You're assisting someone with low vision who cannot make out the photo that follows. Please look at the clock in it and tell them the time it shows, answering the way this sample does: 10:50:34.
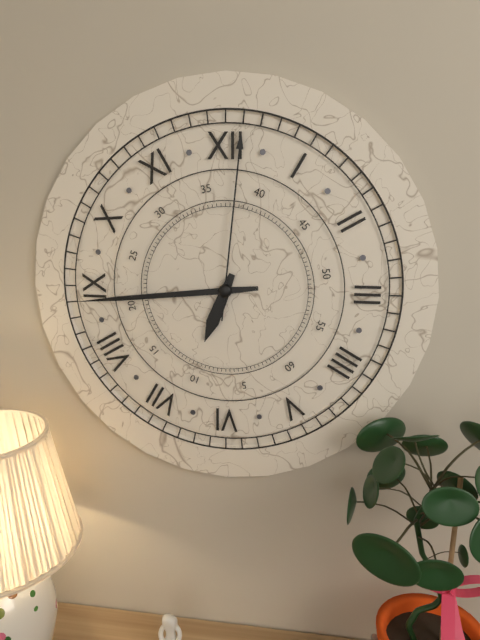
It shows 6:44:01
